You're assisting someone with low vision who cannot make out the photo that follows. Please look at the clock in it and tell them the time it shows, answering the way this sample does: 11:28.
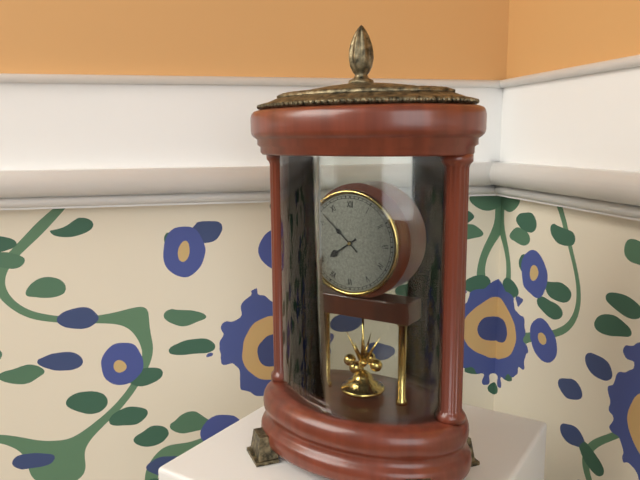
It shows 7:52
